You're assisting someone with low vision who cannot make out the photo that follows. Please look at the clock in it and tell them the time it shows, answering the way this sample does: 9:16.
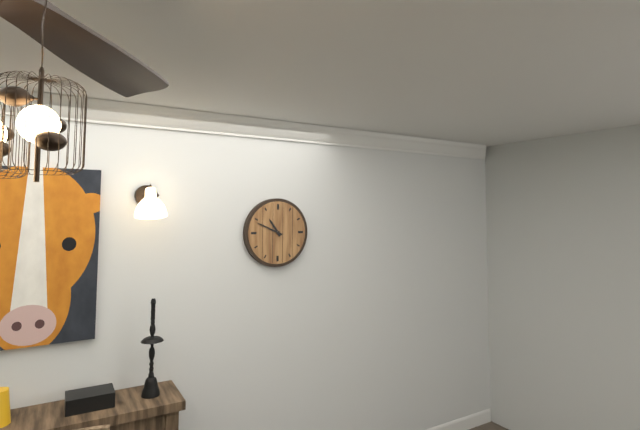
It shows 10:49
